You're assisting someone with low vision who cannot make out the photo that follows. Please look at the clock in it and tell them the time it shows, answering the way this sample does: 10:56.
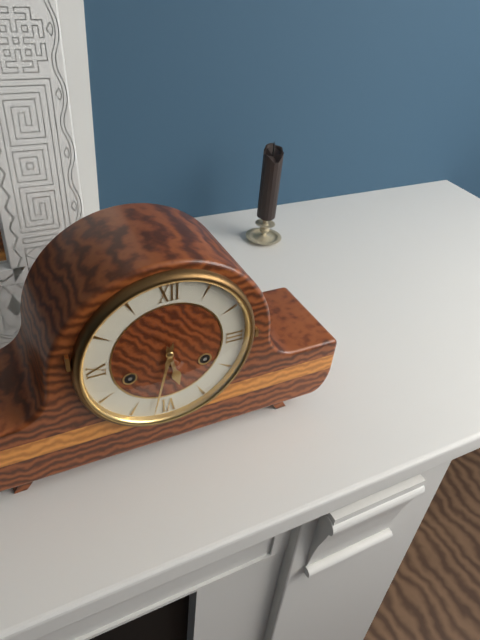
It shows 5:32
